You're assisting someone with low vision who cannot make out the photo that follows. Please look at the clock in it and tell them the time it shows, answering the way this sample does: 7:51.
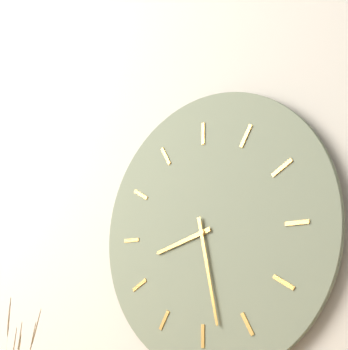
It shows 8:28
